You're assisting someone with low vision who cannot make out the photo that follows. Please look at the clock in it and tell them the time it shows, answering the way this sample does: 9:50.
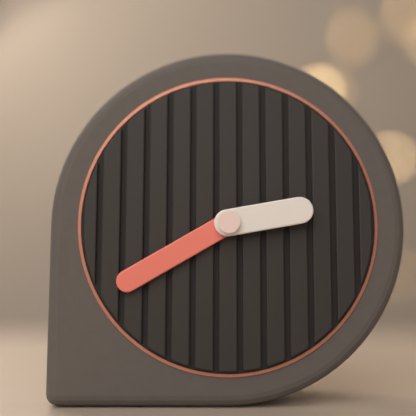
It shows 2:40
